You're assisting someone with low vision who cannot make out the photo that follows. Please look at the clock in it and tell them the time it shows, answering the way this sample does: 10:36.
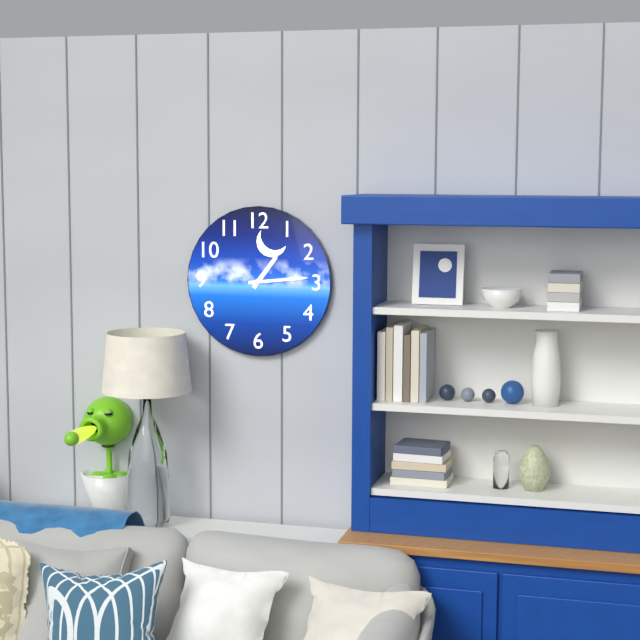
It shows 1:14
